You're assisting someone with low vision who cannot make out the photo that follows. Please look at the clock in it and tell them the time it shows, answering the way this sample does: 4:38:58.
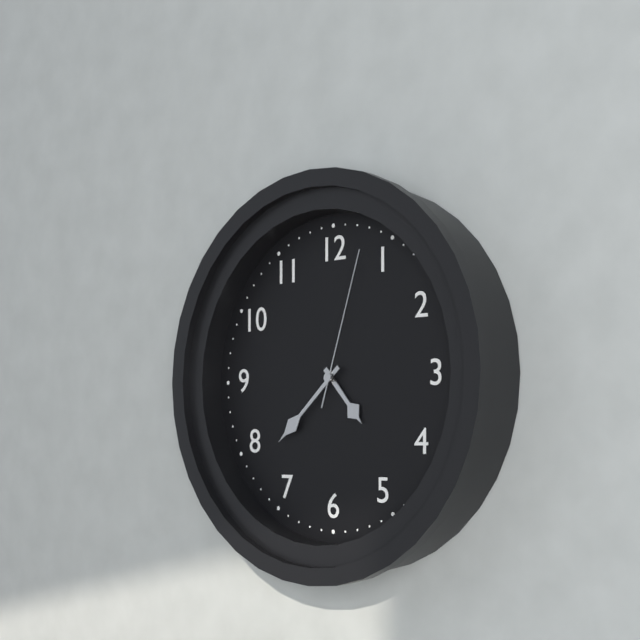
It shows 4:38:03
